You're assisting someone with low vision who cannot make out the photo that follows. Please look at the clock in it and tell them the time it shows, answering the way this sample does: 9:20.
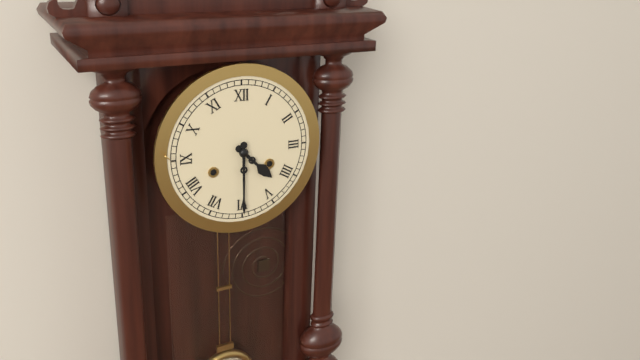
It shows 4:30
